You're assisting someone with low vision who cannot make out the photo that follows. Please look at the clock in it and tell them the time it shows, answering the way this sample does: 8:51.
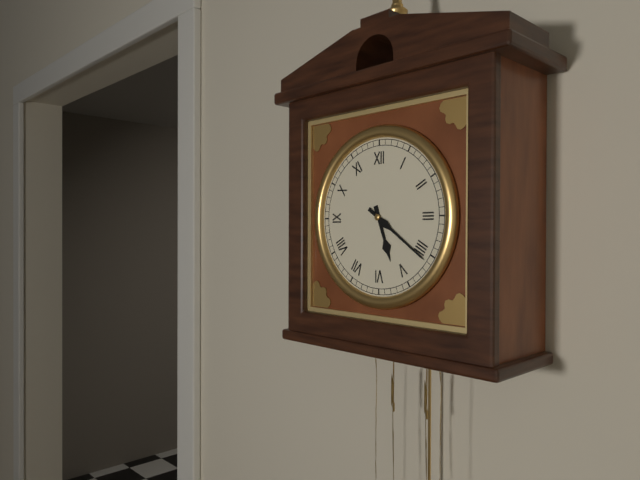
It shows 5:21
